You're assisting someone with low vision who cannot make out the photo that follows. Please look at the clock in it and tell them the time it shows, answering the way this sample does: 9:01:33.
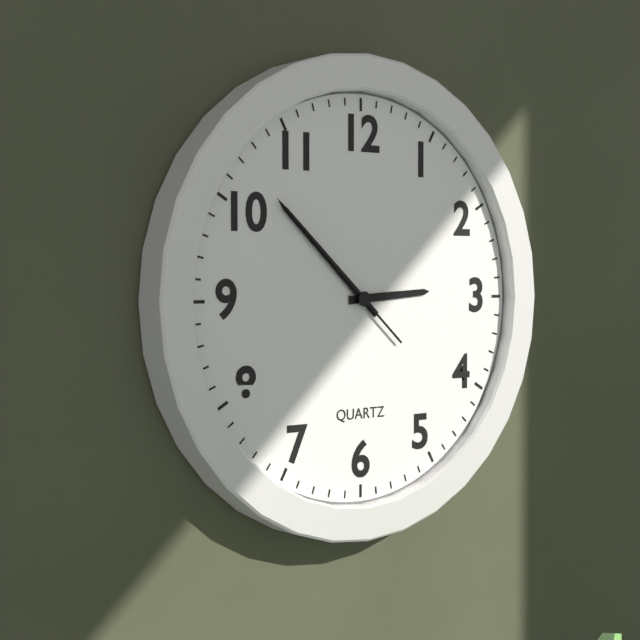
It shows 2:52:52
